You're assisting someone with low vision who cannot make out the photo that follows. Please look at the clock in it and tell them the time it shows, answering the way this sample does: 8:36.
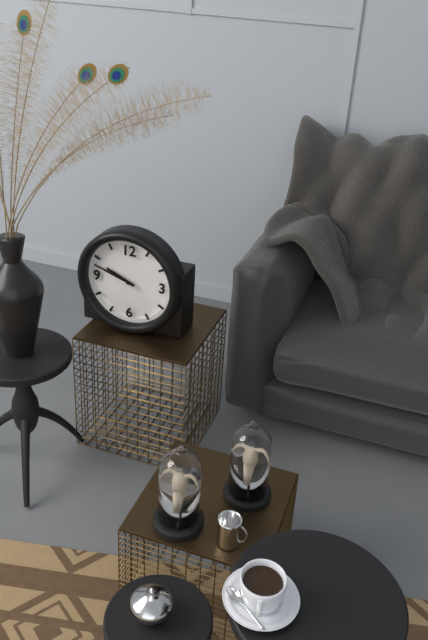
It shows 9:48
